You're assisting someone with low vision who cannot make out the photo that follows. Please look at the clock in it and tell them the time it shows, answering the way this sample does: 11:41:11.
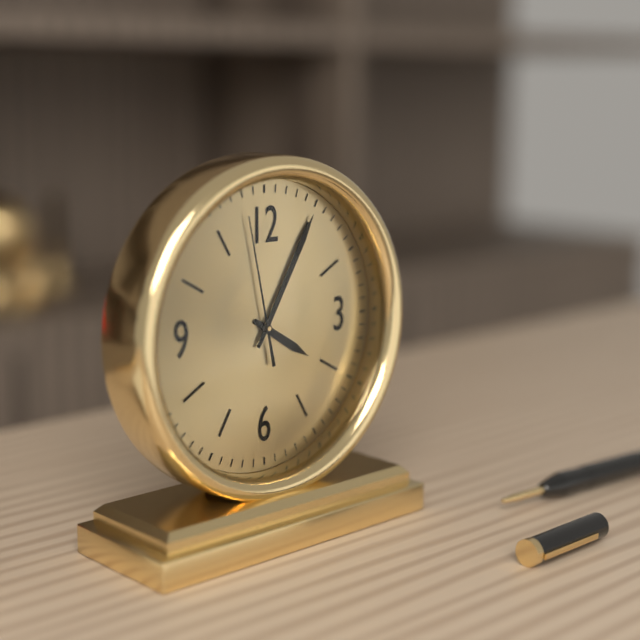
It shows 4:05:58
